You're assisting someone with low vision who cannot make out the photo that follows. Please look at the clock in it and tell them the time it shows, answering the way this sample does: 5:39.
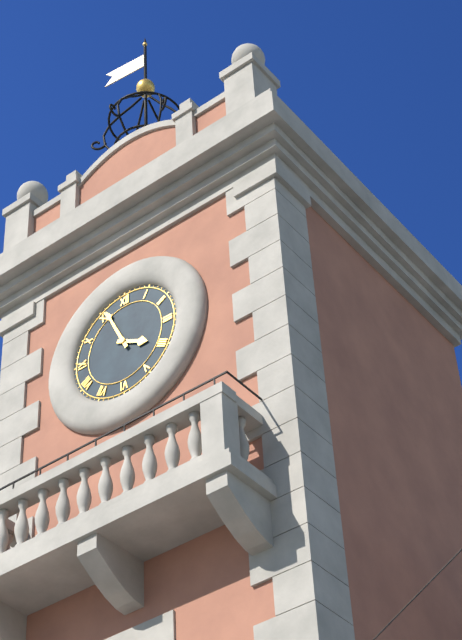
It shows 3:56
